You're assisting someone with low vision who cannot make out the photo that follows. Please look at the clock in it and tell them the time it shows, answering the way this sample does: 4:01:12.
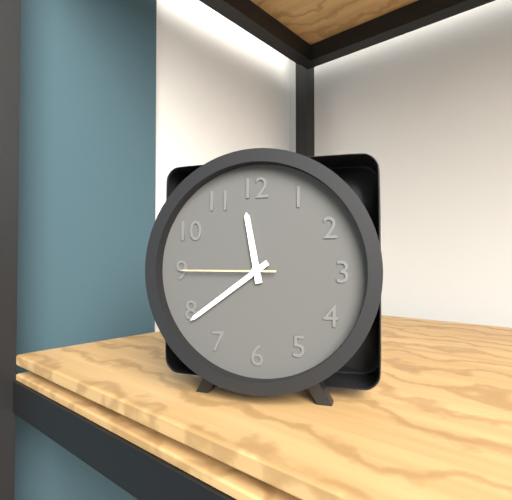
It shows 11:39:45
